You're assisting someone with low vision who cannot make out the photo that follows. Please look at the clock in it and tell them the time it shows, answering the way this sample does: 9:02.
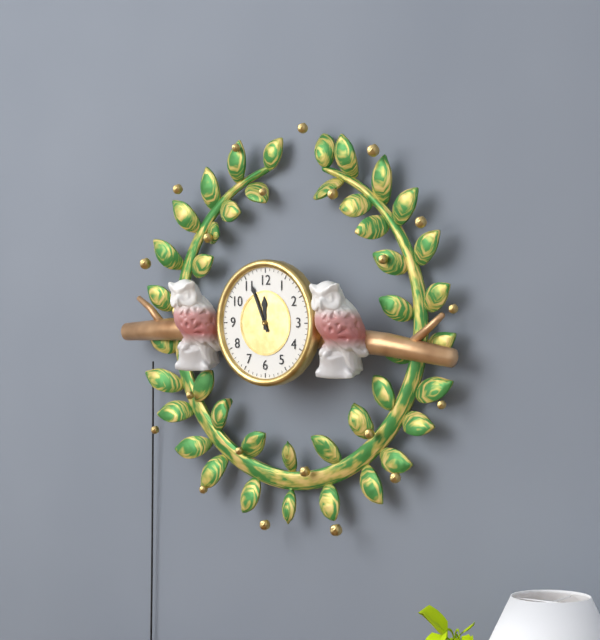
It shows 11:56
